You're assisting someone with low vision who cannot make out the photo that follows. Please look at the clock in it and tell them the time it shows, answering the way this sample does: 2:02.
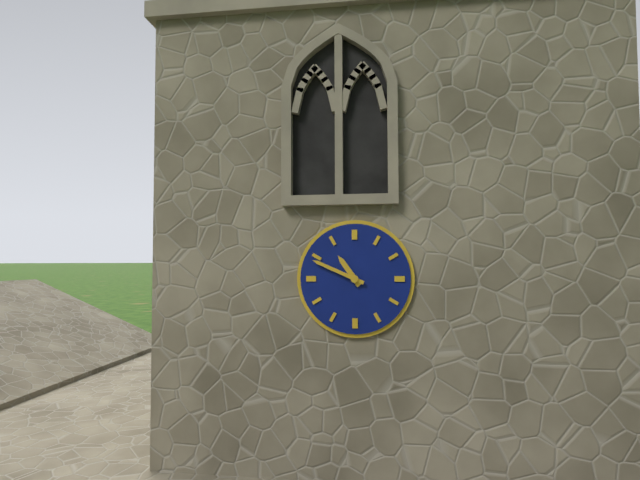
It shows 10:49
